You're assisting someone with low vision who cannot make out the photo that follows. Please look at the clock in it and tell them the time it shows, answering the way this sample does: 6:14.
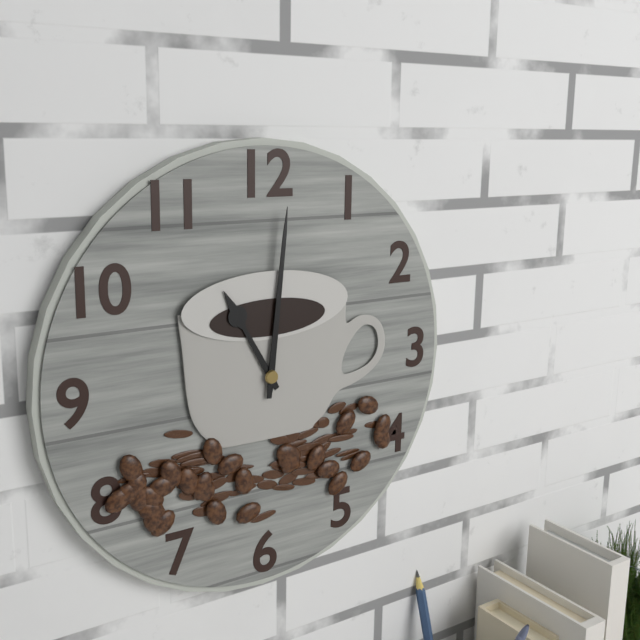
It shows 11:01
